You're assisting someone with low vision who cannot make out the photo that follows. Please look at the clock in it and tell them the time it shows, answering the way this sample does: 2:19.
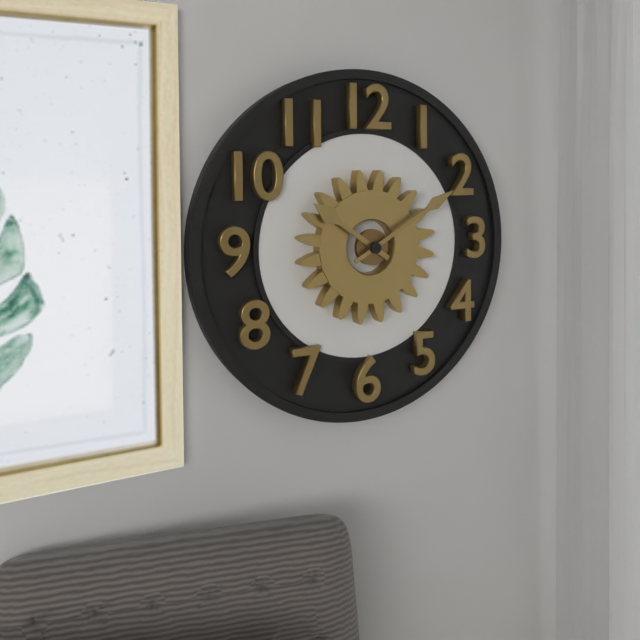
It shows 10:10
